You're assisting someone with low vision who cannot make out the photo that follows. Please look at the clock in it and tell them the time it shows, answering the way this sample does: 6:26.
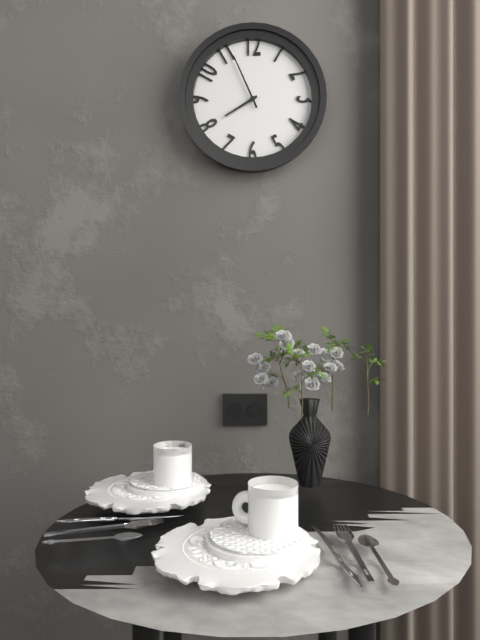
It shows 7:56
